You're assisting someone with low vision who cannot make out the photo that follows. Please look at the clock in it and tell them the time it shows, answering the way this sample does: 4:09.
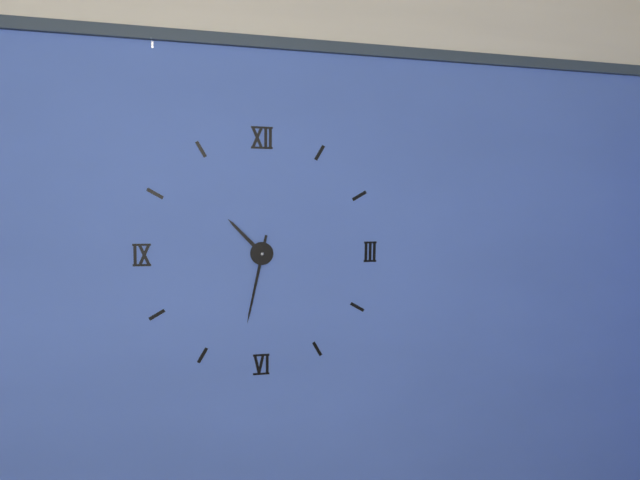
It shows 10:32
